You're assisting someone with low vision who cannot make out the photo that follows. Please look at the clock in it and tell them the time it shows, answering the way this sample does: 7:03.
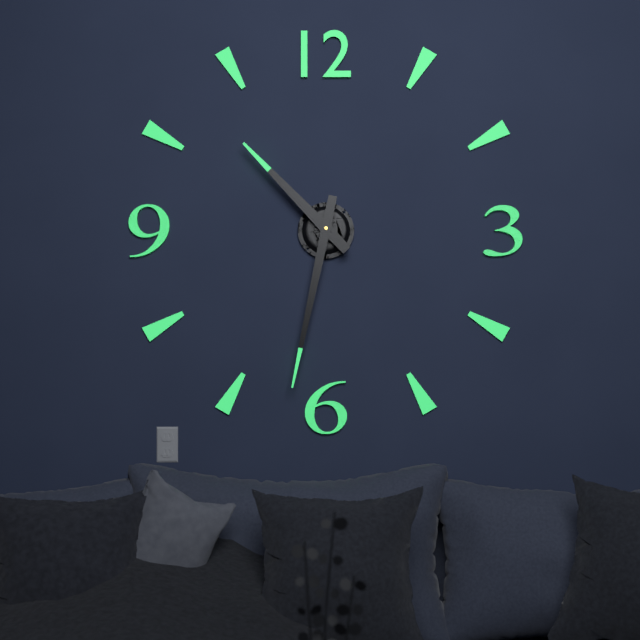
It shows 10:32
